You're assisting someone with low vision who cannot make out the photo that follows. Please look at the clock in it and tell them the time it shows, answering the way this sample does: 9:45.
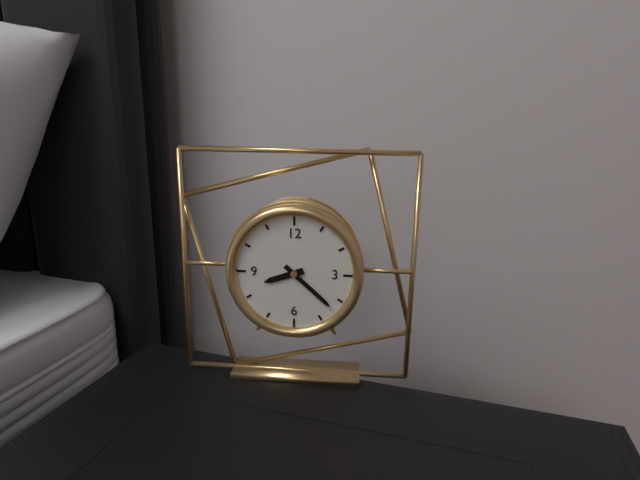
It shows 8:22
